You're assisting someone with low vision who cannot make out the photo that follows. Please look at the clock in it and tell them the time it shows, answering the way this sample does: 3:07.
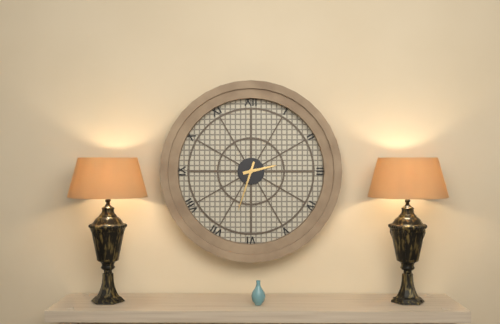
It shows 2:33
